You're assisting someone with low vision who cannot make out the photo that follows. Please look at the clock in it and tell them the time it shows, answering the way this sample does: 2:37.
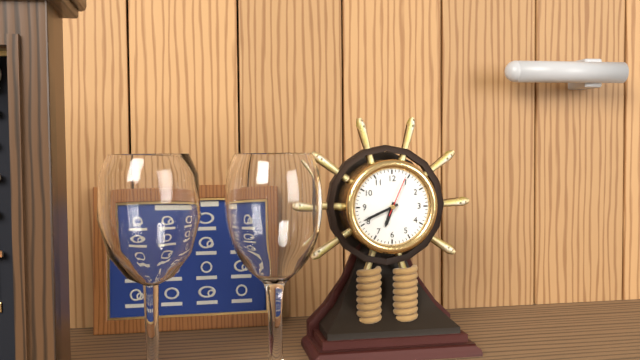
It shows 6:41
